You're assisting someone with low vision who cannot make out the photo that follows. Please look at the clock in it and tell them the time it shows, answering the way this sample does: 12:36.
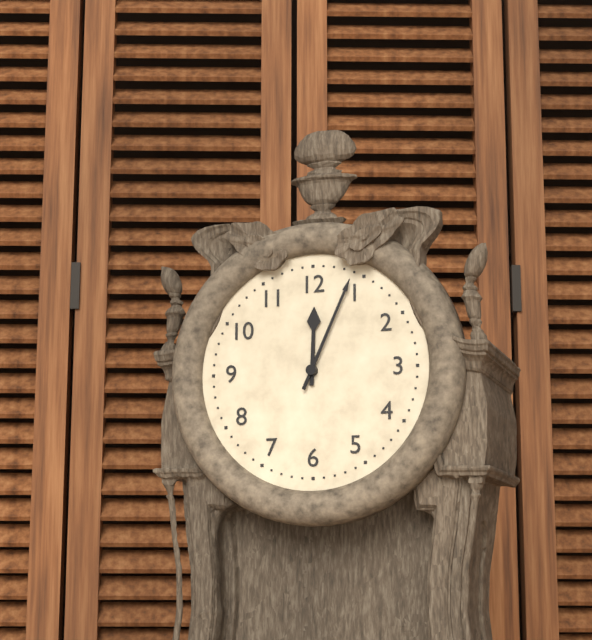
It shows 12:04
